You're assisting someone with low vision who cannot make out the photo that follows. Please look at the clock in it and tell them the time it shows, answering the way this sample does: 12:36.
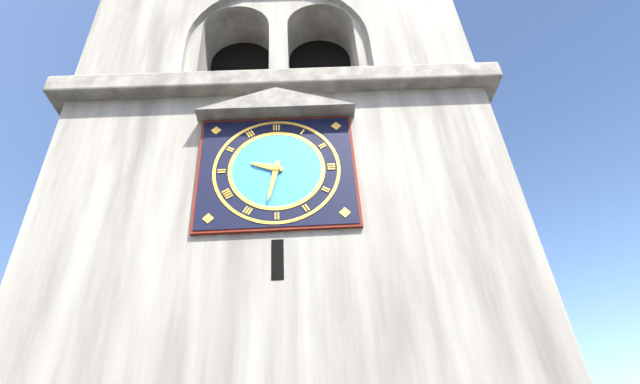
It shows 9:32
